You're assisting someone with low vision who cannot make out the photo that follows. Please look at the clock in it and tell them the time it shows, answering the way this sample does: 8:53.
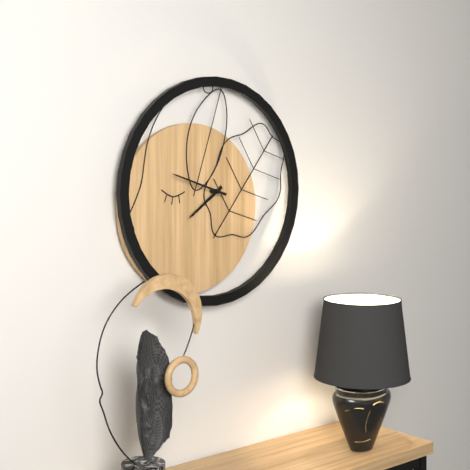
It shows 7:48
